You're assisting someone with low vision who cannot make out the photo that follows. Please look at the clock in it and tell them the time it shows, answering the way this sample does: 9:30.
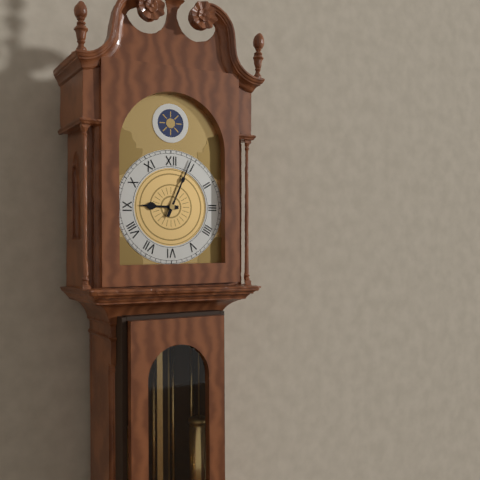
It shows 9:04
